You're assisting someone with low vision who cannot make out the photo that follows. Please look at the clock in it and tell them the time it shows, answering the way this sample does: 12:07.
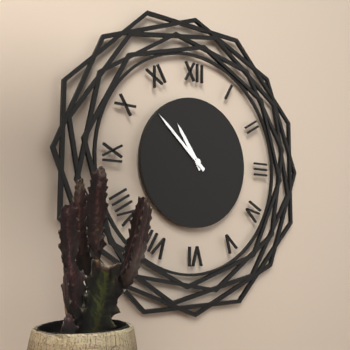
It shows 10:52
